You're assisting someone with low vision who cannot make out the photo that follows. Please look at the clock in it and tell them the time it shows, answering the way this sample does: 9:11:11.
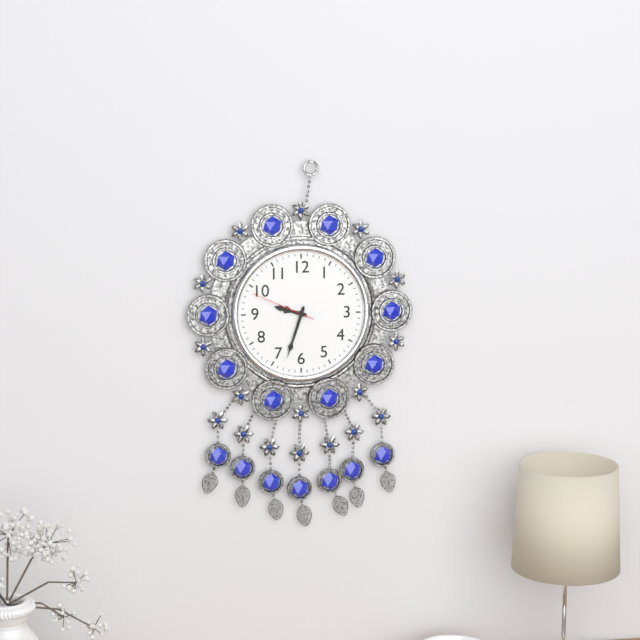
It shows 9:33:49
